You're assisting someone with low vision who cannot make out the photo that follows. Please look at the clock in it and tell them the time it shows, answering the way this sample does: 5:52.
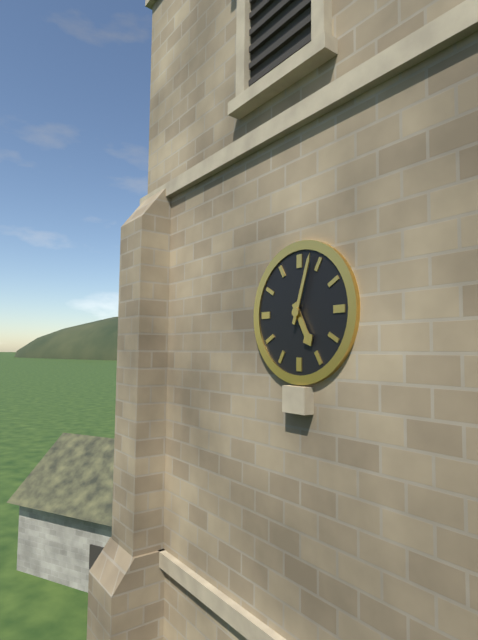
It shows 5:03
